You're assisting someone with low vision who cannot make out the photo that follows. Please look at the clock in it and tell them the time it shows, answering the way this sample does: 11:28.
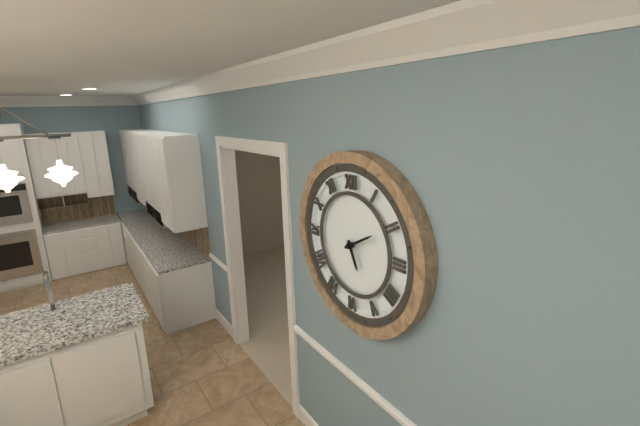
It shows 5:10
